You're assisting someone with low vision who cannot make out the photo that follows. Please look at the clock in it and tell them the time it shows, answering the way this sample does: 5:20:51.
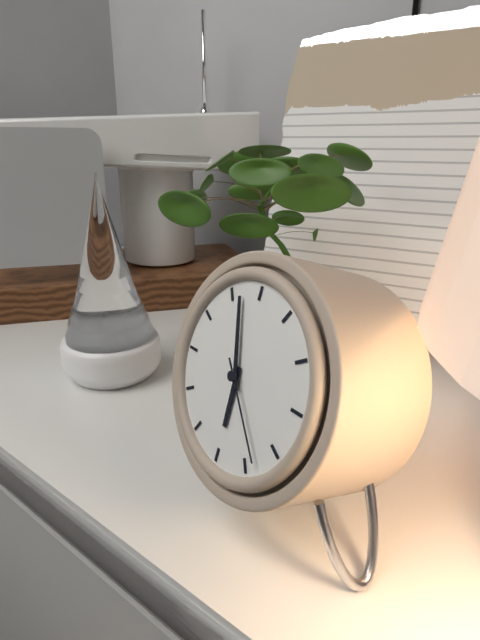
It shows 5:57:23
